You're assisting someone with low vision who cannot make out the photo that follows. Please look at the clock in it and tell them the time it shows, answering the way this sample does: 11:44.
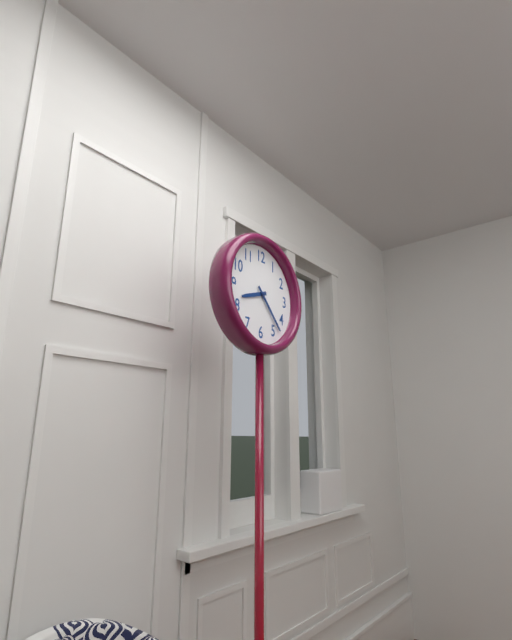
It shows 8:23
